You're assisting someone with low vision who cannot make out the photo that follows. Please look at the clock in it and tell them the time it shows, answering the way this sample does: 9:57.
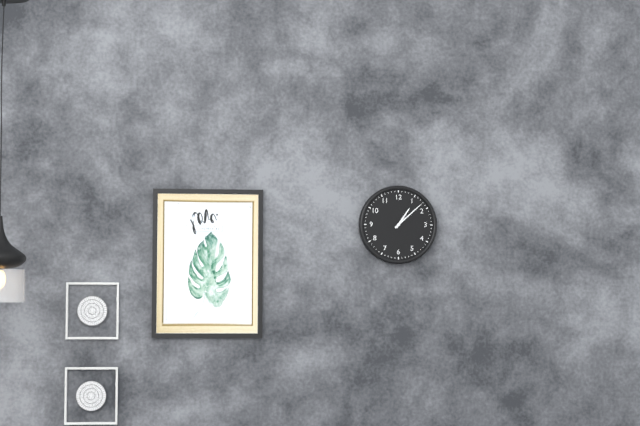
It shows 1:08
